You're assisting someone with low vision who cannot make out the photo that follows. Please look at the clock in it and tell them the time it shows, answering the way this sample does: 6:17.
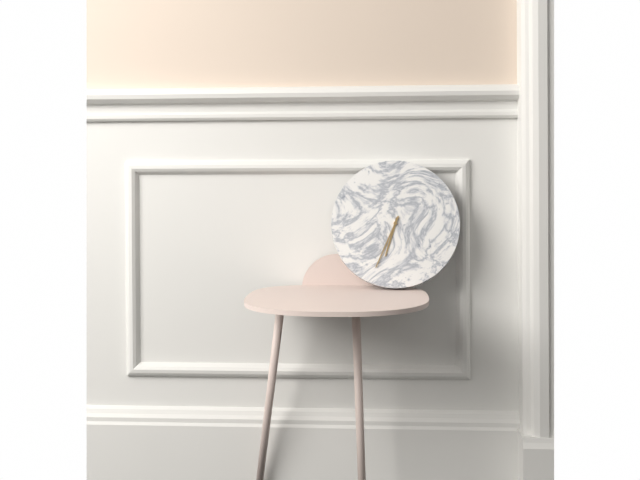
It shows 6:34
